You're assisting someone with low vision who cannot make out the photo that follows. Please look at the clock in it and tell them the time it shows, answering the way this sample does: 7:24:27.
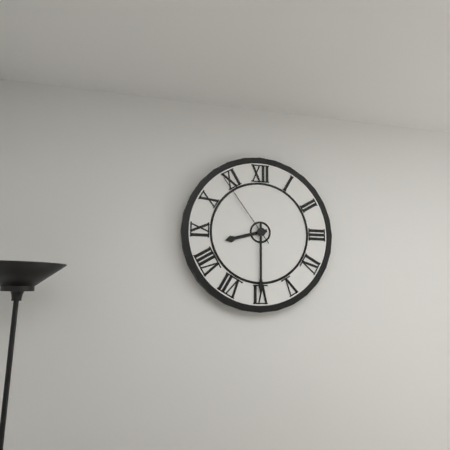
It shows 8:30:54
